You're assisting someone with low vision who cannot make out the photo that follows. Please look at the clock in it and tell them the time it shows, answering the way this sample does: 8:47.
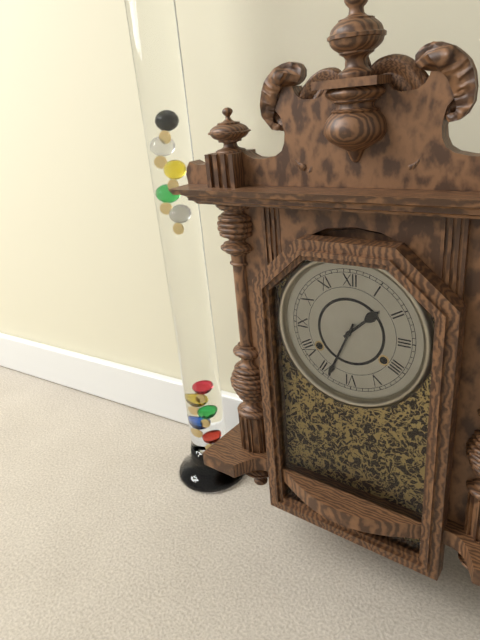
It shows 1:34
